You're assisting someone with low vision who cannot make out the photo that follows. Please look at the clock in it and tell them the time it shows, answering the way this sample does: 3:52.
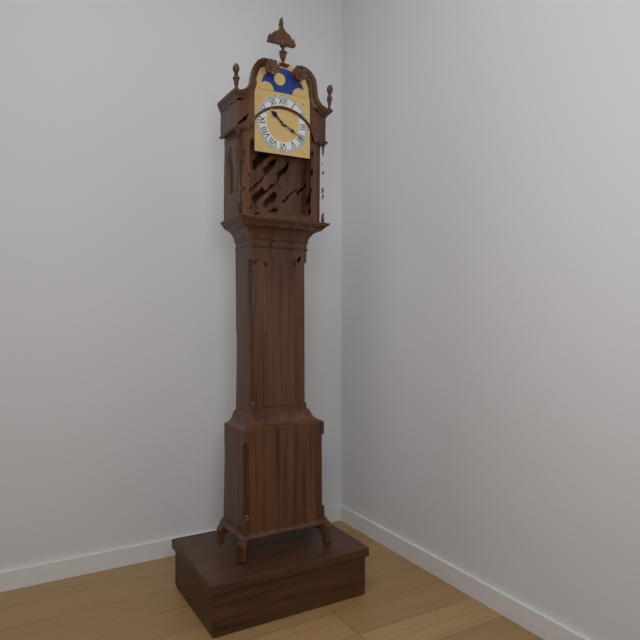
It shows 10:20
